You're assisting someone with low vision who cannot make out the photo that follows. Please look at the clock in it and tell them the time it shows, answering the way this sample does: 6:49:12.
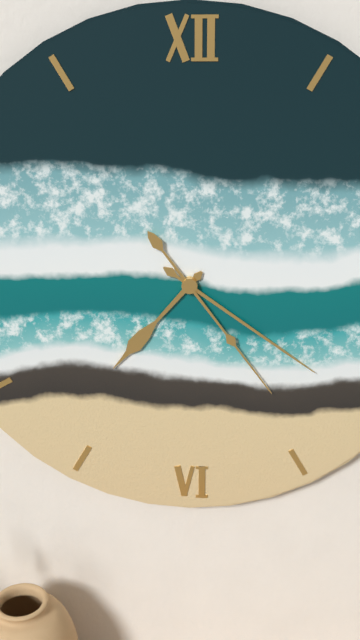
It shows 7:21:24
